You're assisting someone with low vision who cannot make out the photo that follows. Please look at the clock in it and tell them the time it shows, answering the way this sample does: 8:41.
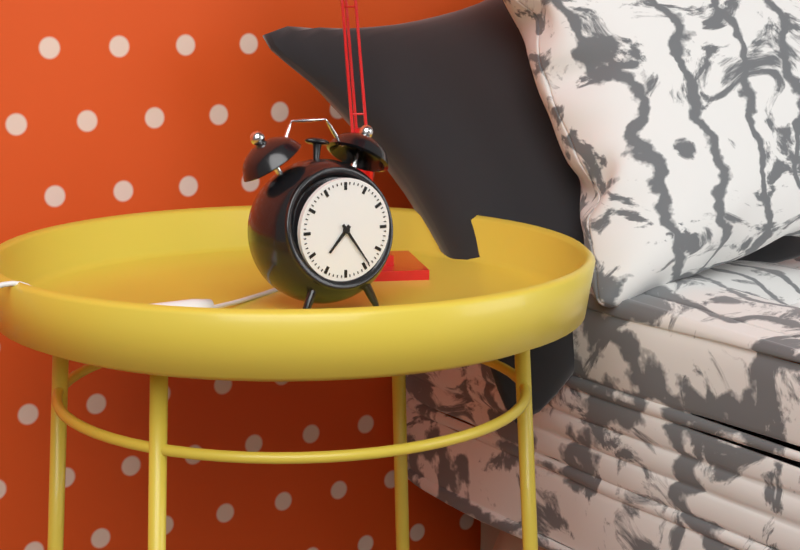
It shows 7:24
